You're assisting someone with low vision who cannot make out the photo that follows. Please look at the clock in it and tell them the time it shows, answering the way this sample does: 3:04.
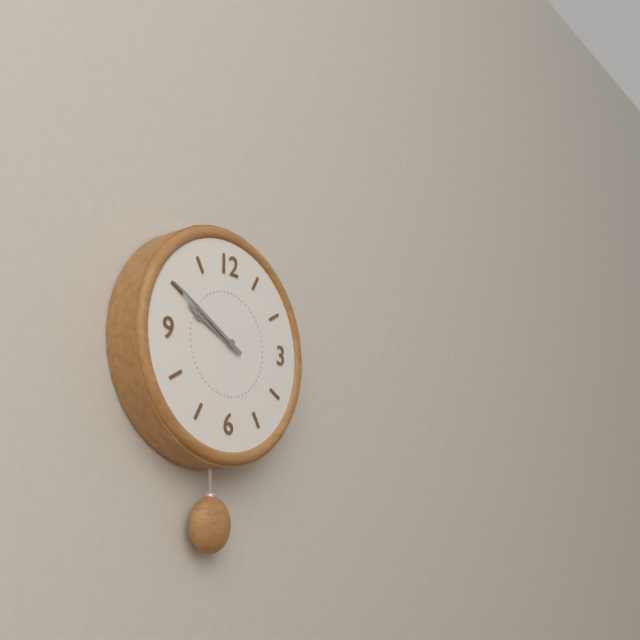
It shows 9:50
